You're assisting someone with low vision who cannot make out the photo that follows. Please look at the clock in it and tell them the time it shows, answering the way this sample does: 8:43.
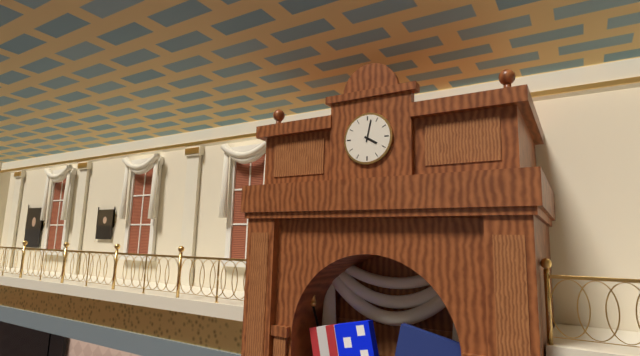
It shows 4:02
